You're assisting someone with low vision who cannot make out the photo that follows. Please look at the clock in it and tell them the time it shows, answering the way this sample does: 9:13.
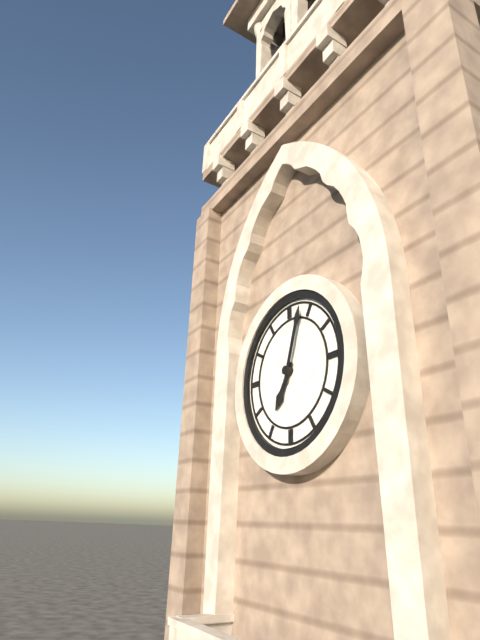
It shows 7:03
